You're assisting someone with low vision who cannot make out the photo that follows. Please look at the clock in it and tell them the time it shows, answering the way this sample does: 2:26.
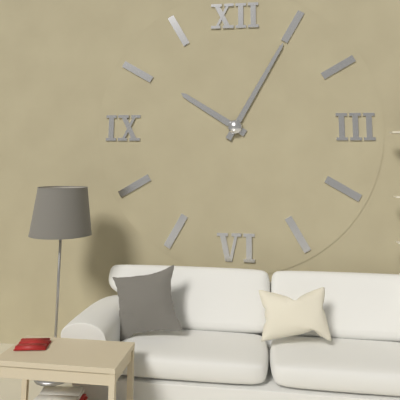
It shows 10:05
